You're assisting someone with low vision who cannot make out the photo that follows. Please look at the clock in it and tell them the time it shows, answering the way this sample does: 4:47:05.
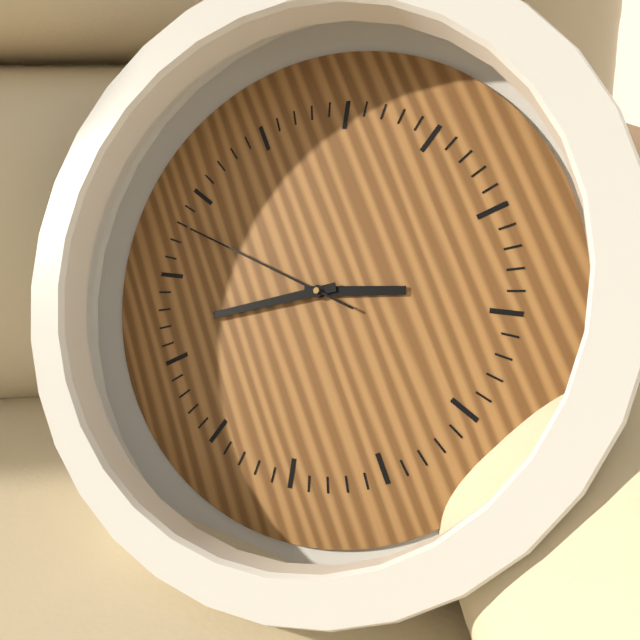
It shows 3:47:53
